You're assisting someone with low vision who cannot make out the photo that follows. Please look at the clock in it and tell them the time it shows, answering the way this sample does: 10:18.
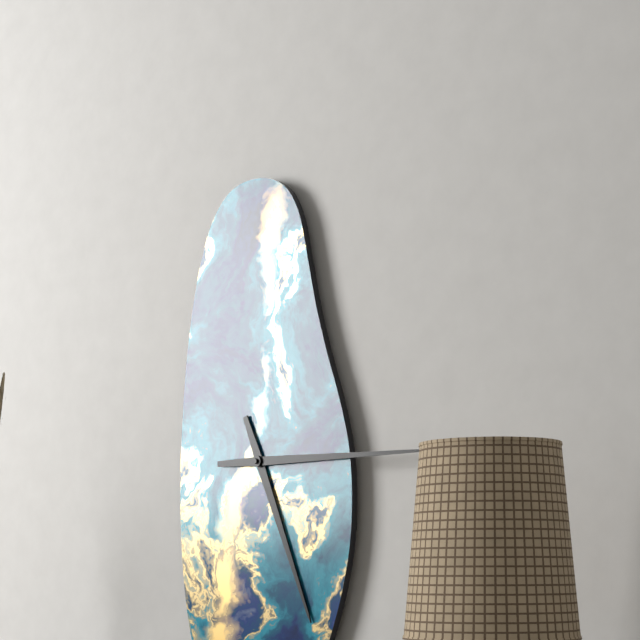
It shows 5:15
